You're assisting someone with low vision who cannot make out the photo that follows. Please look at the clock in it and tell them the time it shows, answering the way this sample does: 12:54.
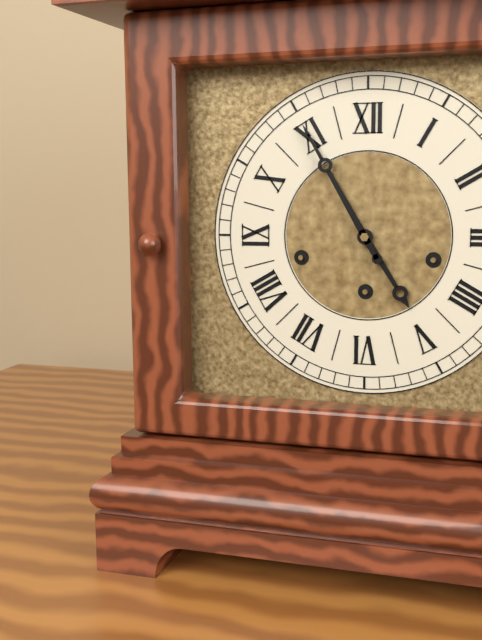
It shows 4:55
